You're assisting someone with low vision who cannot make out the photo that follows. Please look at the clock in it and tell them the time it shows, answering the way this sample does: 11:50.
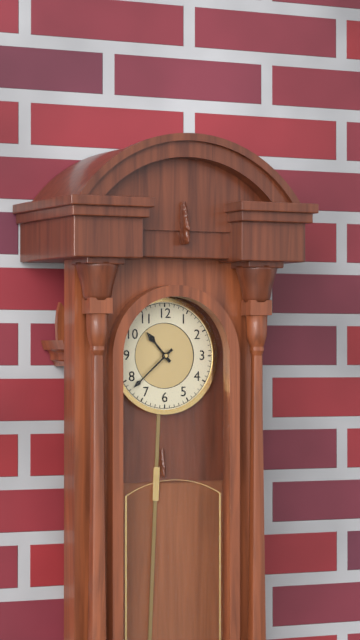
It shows 10:38
